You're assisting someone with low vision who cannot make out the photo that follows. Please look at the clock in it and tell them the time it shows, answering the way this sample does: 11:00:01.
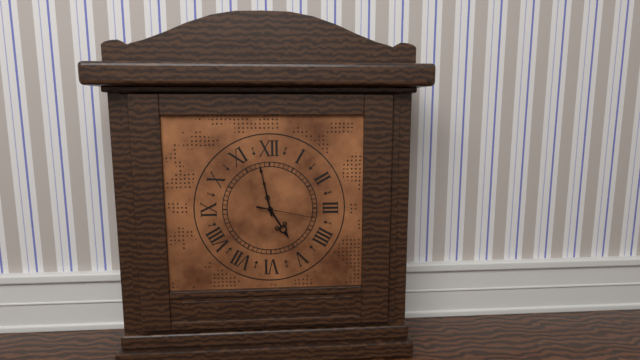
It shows 4:58:17
